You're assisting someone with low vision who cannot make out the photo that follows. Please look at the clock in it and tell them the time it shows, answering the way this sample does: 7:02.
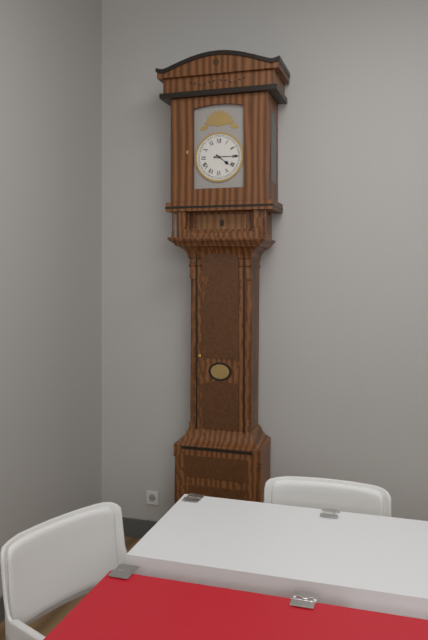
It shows 4:15
